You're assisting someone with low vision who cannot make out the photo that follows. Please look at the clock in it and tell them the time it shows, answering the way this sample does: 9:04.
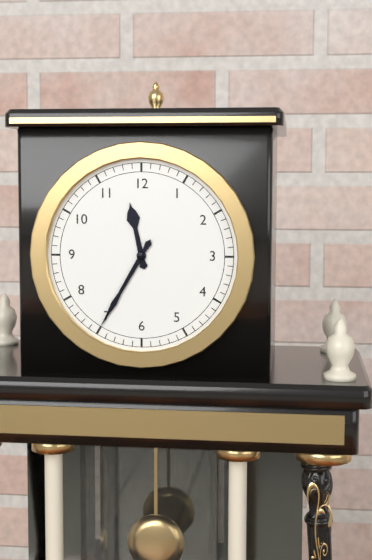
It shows 11:35
